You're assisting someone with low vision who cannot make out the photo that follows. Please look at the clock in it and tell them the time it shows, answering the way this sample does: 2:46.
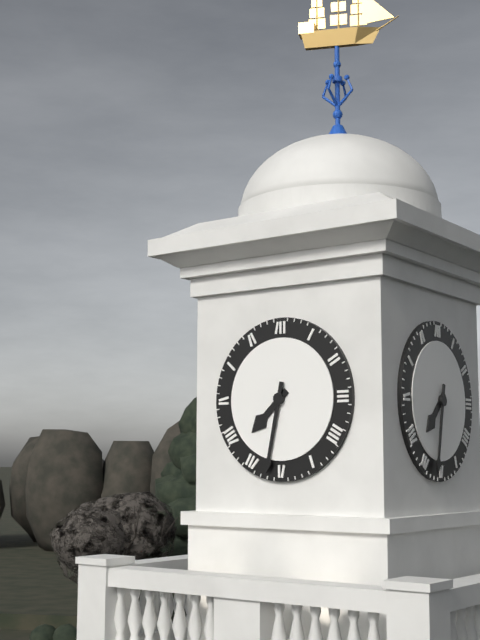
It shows 7:32
